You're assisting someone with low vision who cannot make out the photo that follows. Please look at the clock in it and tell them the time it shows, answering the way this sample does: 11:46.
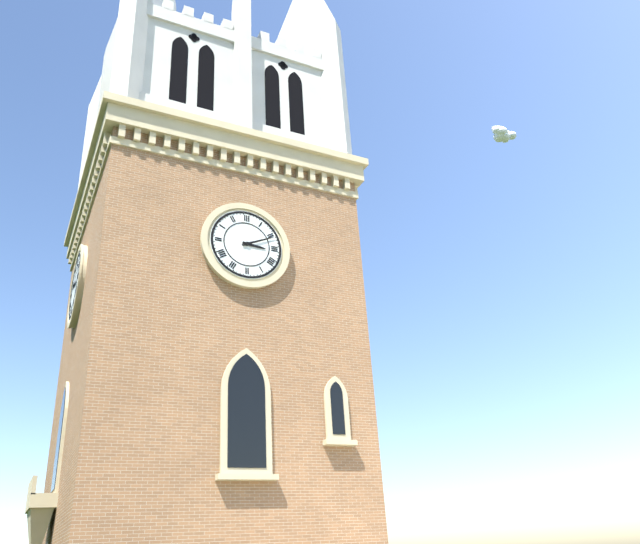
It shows 3:11
